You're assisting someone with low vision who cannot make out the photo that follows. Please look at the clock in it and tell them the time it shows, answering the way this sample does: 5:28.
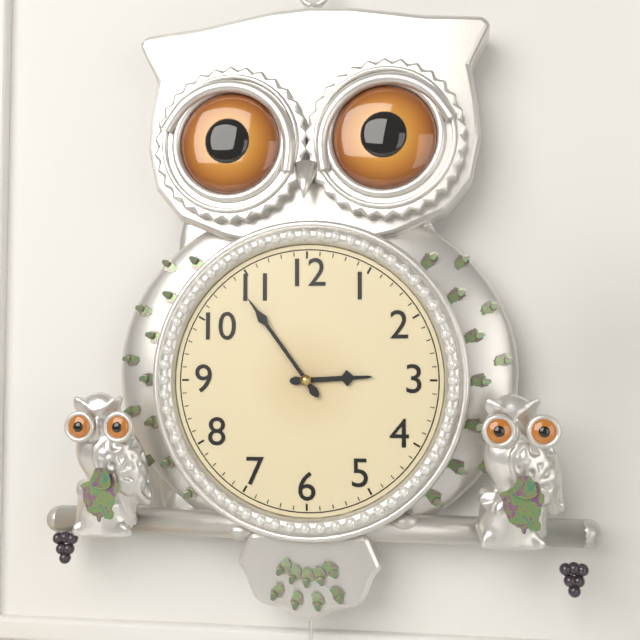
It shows 2:54
